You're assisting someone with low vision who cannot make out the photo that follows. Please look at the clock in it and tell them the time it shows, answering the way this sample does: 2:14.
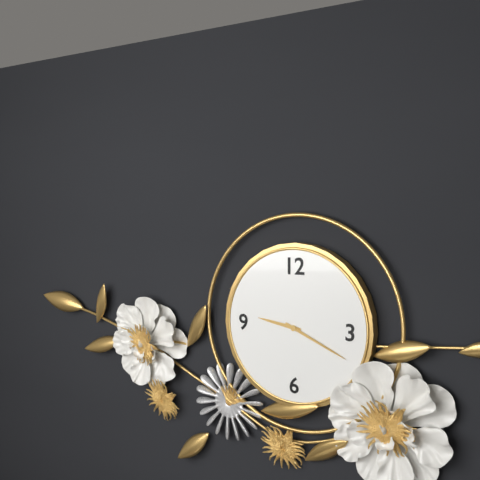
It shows 9:19
